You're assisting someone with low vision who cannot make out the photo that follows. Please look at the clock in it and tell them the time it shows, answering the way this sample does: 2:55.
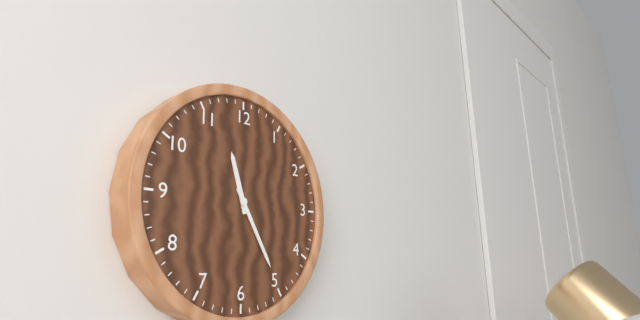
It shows 11:25
